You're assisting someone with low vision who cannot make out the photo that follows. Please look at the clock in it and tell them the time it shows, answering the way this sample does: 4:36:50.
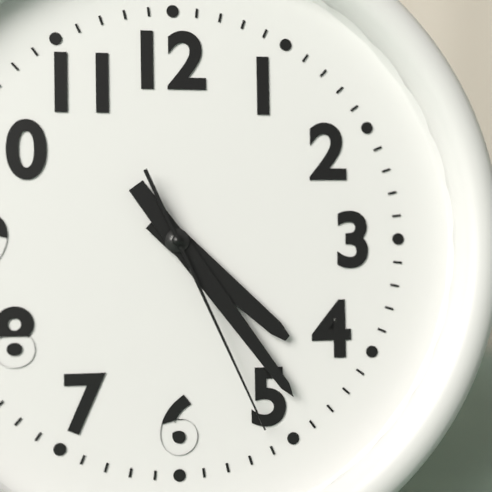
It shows 4:24:26
